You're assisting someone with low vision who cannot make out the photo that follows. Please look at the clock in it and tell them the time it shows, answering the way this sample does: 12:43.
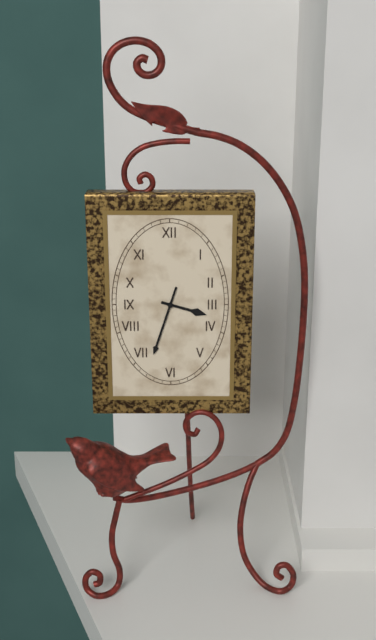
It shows 3:33
